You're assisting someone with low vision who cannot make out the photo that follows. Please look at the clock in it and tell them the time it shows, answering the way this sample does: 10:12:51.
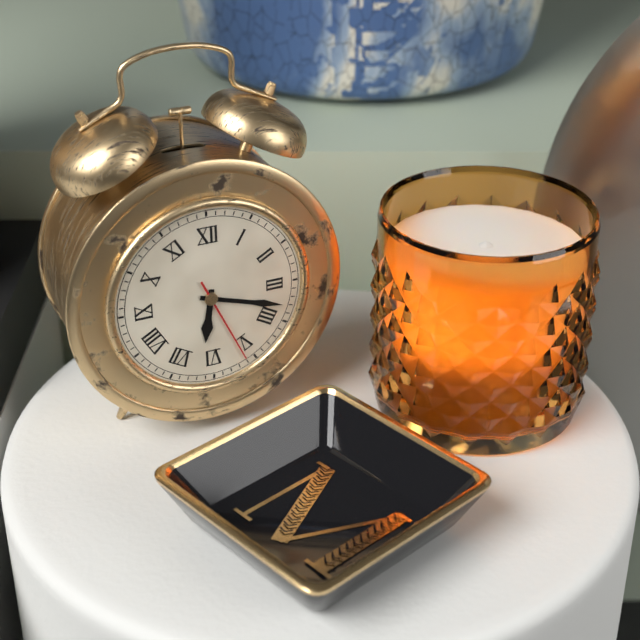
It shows 6:18:26
